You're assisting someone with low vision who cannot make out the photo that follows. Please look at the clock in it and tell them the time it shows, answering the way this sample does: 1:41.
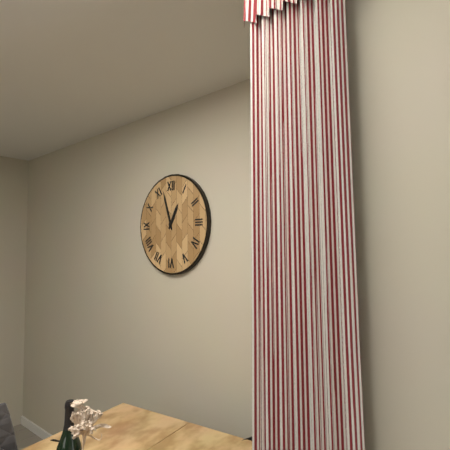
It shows 12:57
